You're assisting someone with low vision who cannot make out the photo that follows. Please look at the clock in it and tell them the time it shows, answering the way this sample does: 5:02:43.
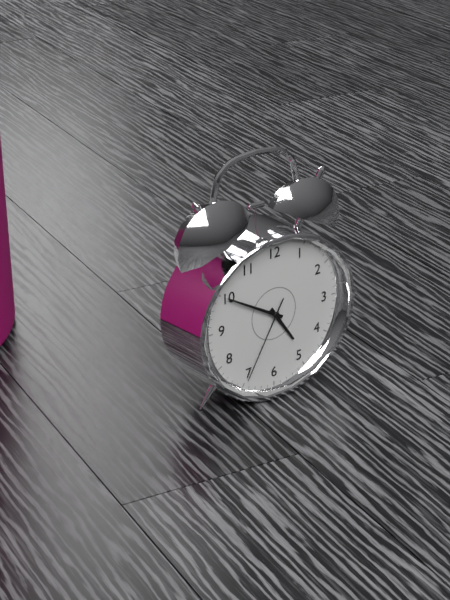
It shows 4:50:35
